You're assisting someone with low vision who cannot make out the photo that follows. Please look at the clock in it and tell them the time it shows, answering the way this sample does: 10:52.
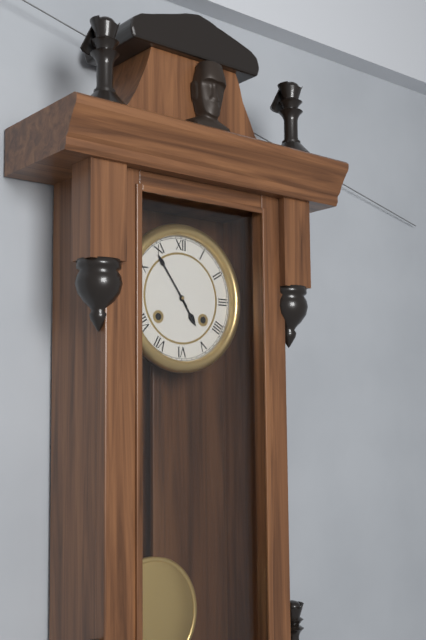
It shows 4:54
